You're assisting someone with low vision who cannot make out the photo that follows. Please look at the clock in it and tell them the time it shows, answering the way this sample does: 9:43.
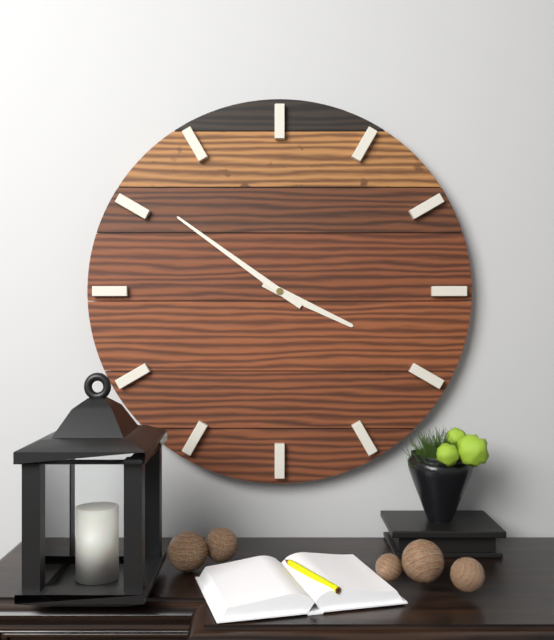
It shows 3:51
